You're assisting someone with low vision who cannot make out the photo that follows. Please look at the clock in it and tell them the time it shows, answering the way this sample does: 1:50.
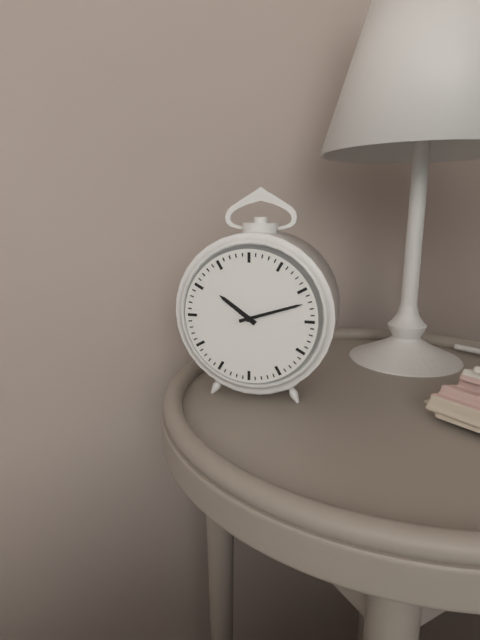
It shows 10:12
